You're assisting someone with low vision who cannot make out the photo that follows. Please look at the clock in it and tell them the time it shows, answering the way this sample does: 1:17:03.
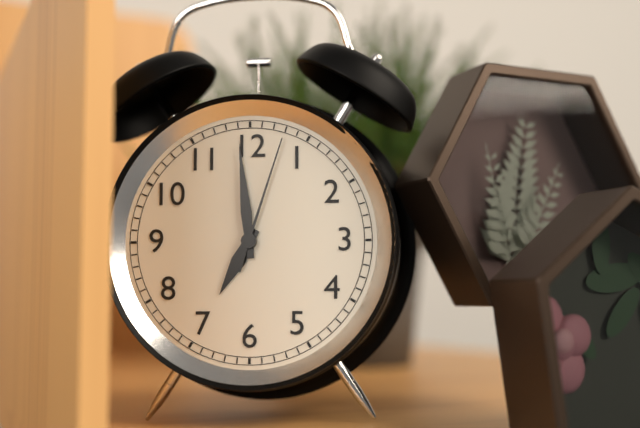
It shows 6:59:03
